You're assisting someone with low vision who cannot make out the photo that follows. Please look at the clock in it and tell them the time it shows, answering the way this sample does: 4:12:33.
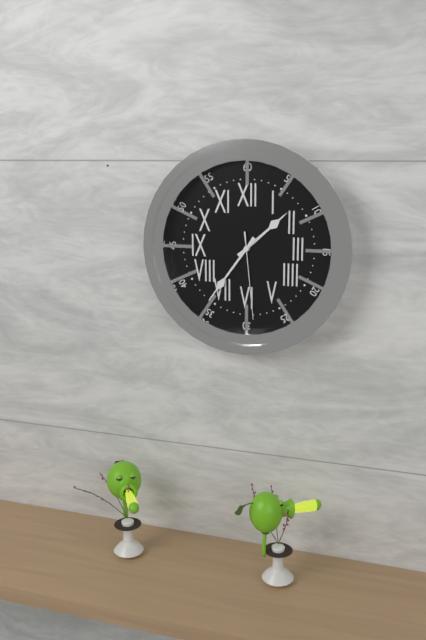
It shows 1:36:29
